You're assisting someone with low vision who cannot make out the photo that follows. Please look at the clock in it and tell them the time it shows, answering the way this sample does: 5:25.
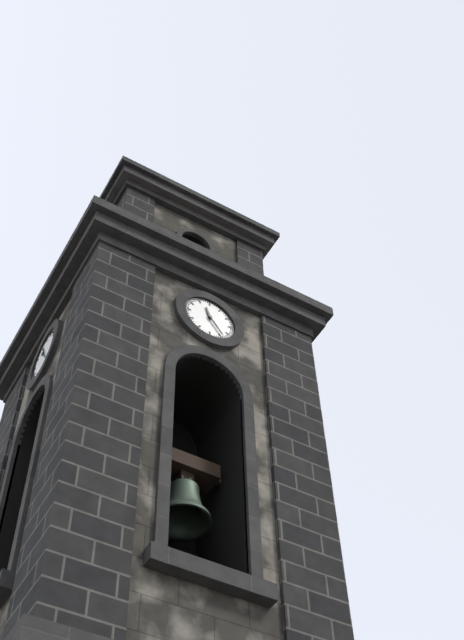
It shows 11:24
